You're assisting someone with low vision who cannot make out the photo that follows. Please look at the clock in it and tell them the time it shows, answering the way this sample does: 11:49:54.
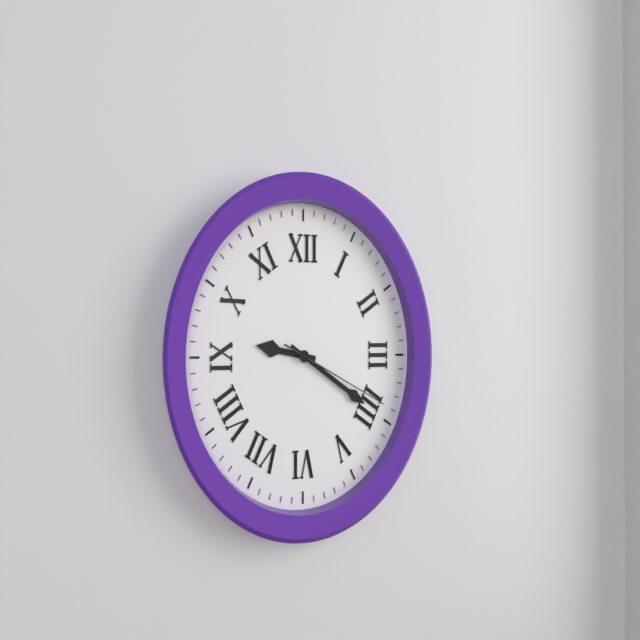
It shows 9:20:19
